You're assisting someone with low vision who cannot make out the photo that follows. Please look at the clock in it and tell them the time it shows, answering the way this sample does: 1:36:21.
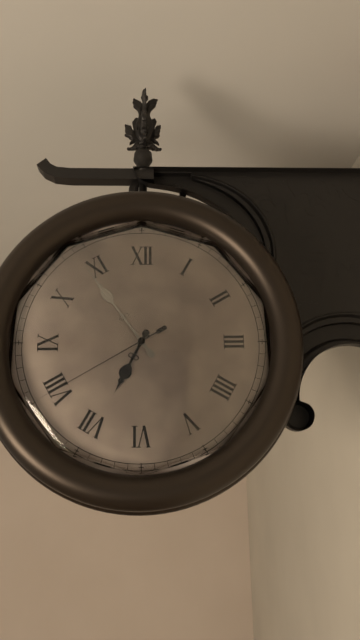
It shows 6:54:40
